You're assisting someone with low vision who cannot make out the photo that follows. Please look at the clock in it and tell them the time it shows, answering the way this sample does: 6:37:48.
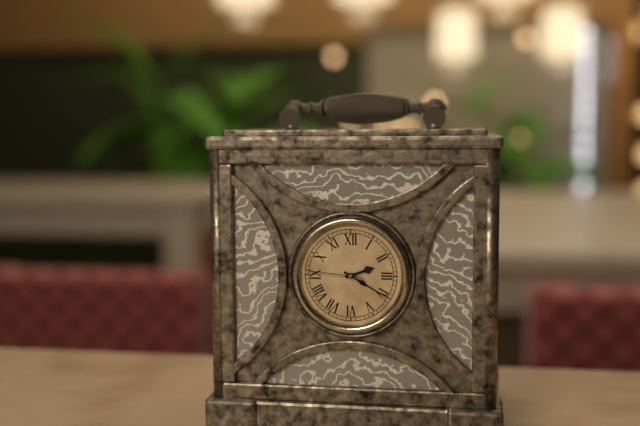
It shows 2:20:46
